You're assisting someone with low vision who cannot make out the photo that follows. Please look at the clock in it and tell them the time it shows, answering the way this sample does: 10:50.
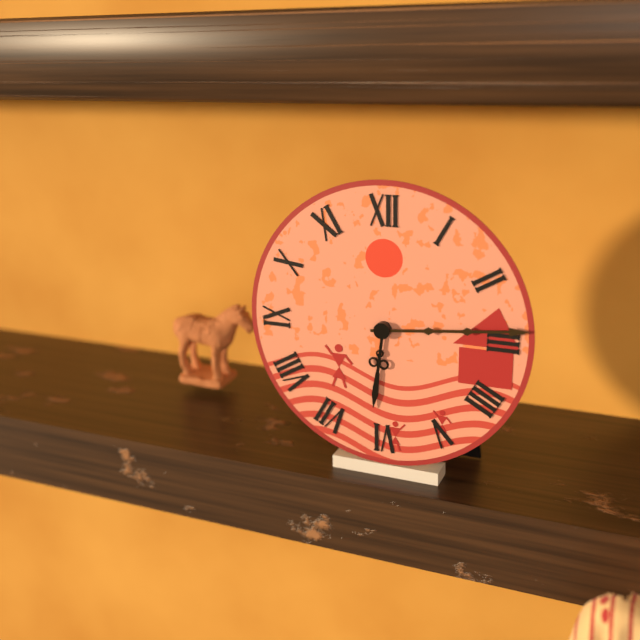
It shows 6:14
